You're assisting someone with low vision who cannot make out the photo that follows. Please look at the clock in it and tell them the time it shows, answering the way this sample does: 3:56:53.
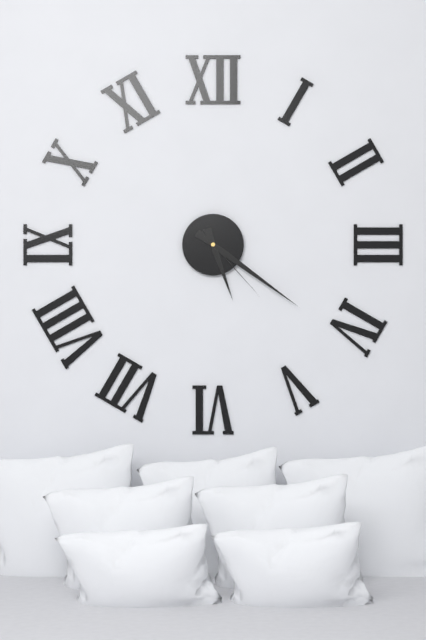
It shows 5:21:23
